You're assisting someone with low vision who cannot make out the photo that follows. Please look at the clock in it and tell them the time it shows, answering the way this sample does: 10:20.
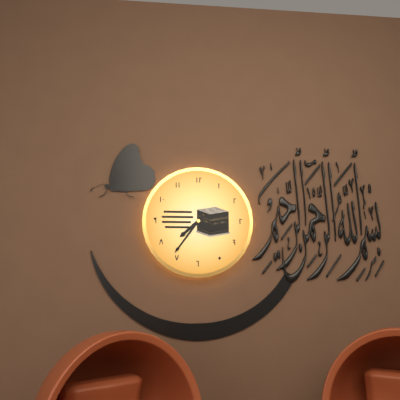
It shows 7:36
